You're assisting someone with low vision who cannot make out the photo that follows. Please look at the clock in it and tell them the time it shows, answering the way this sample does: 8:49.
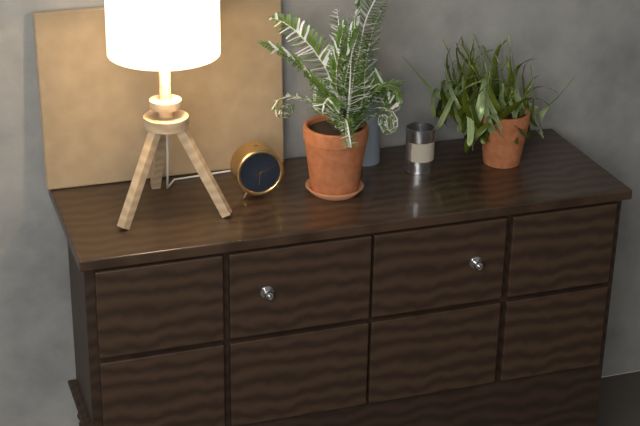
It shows 6:11
